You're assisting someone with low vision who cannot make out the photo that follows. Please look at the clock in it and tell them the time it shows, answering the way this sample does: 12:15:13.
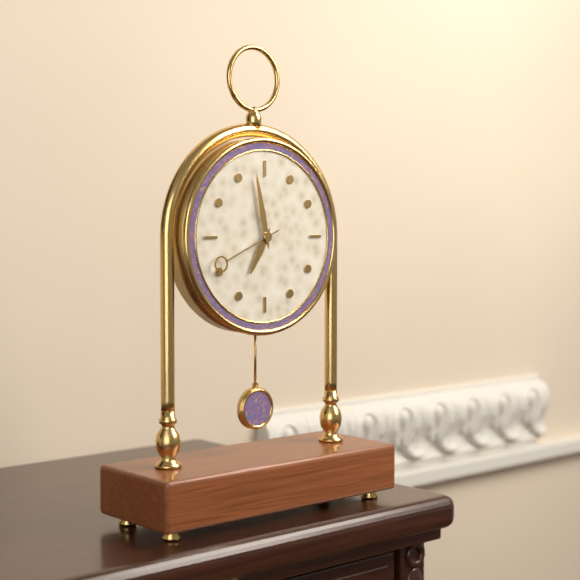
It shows 6:58:41
